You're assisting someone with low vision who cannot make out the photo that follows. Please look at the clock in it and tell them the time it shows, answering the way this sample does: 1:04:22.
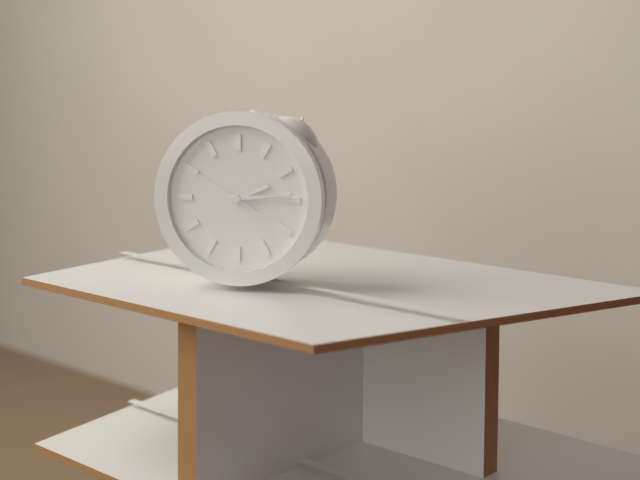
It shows 2:14:50
